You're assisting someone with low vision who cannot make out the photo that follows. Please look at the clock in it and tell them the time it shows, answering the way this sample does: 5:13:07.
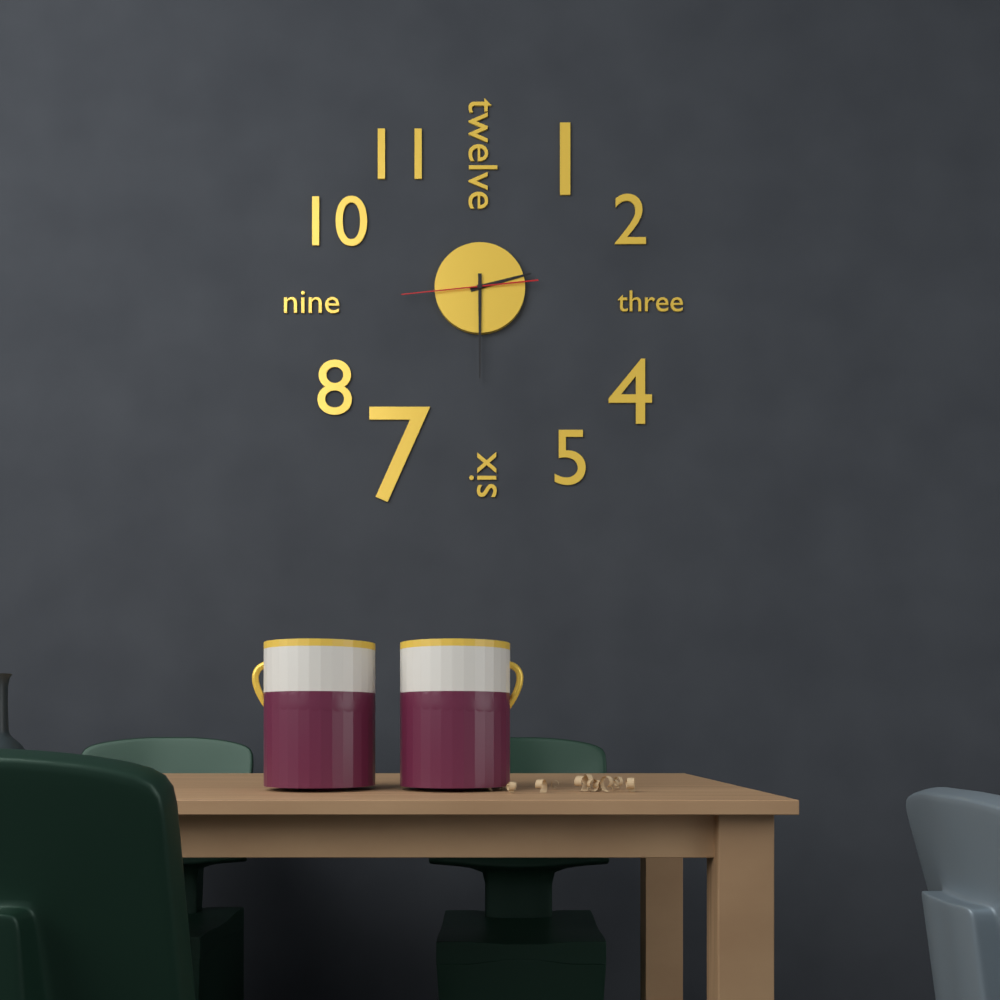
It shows 2:30:44
